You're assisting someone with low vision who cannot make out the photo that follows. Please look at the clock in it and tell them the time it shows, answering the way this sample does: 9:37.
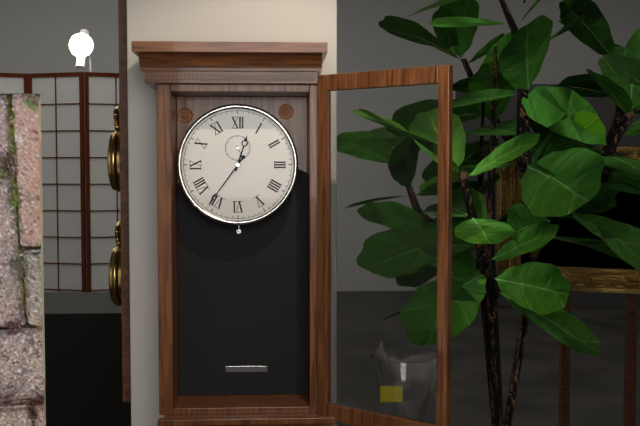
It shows 12:36
